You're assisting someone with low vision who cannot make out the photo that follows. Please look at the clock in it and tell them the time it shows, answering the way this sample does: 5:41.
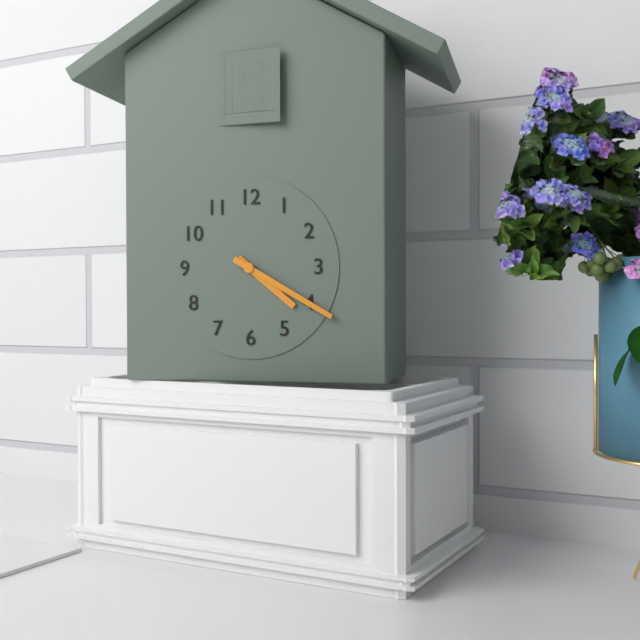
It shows 4:20
